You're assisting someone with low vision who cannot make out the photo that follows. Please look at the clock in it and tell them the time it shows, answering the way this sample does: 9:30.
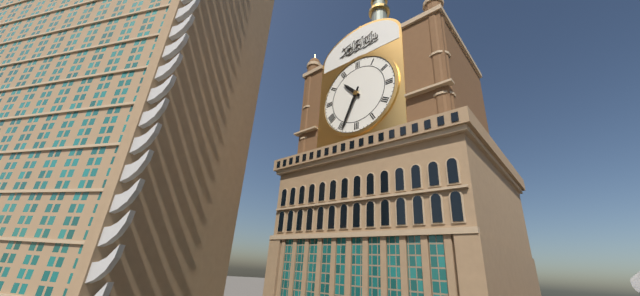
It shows 10:34
